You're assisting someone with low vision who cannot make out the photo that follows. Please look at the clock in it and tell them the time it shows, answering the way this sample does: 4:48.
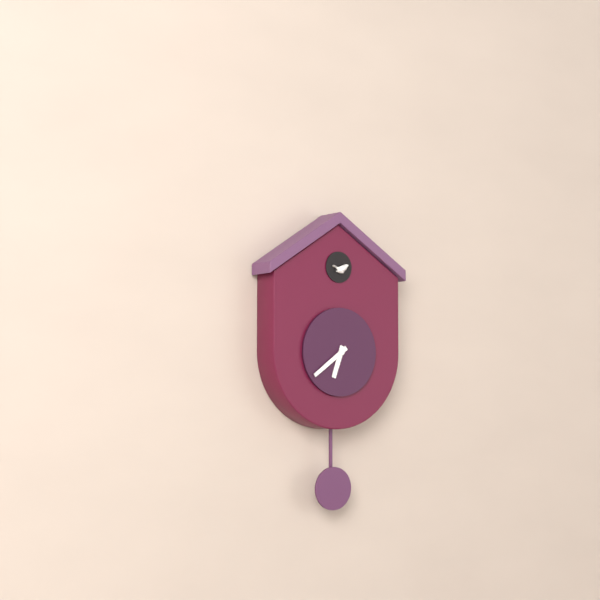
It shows 6:39
